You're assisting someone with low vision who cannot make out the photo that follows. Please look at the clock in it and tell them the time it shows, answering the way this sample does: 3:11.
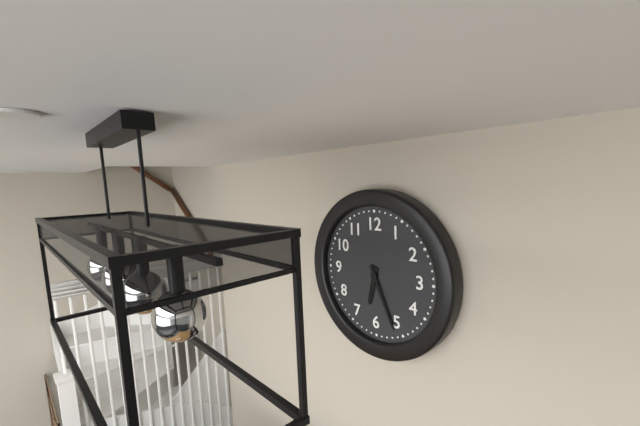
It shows 6:26
